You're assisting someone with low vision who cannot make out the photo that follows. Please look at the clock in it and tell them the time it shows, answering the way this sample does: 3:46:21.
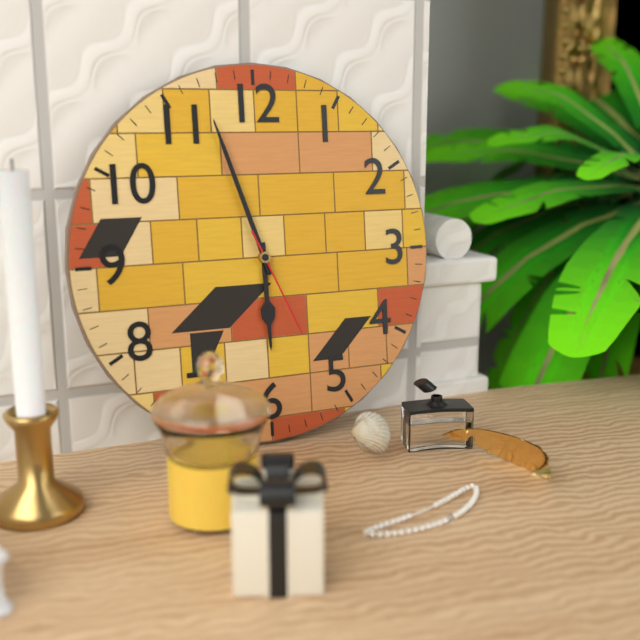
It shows 5:57:26
